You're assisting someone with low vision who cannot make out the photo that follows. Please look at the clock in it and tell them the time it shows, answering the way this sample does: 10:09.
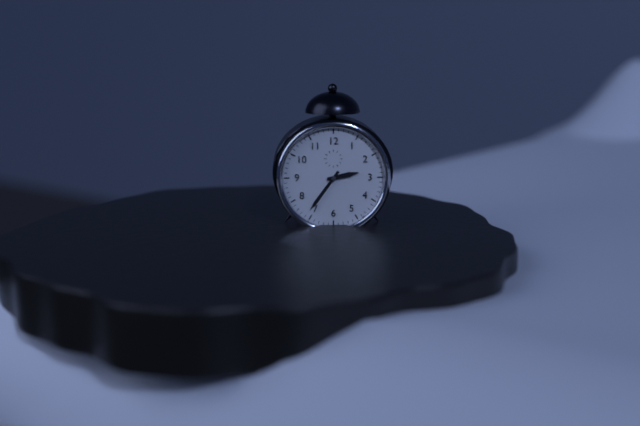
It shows 2:36
